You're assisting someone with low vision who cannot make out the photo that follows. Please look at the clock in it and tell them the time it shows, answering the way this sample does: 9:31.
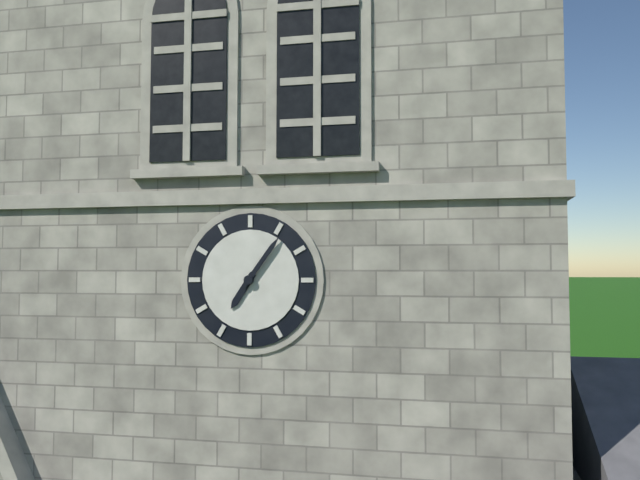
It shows 7:06
